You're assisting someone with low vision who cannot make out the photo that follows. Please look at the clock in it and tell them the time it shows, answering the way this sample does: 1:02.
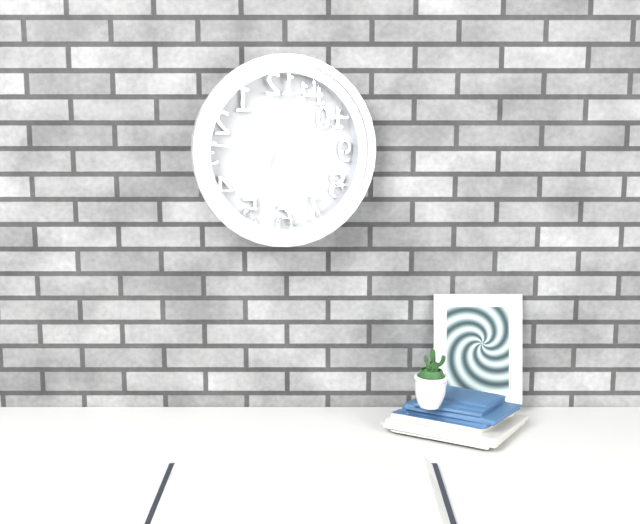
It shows 6:46
